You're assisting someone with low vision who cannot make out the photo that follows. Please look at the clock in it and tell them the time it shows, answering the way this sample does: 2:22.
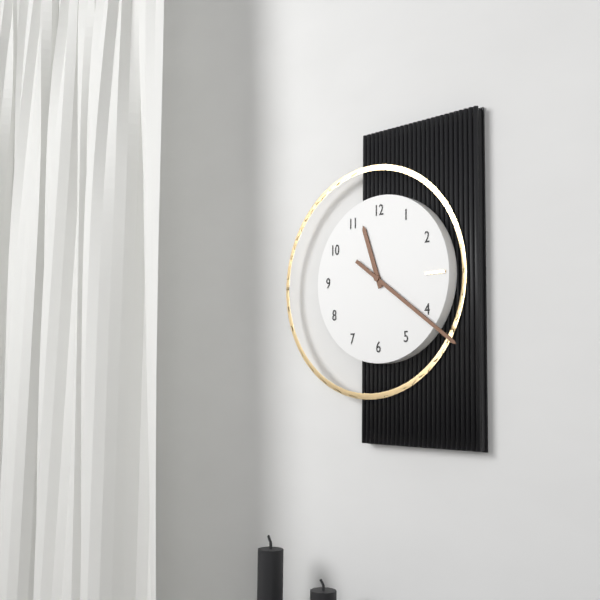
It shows 11:21
